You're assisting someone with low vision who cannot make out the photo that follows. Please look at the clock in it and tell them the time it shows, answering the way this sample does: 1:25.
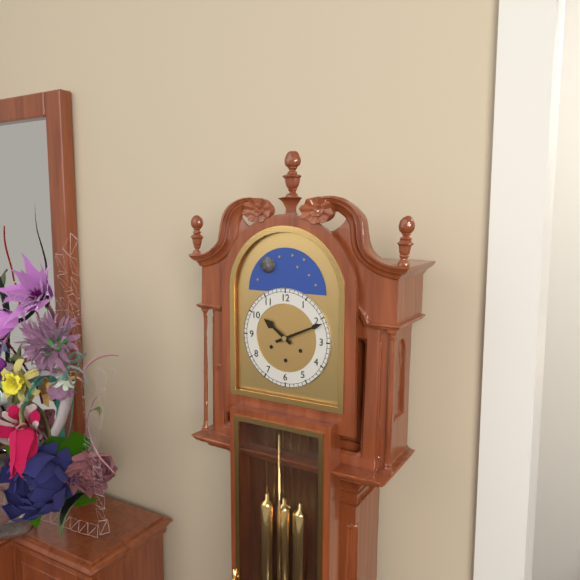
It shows 10:11
